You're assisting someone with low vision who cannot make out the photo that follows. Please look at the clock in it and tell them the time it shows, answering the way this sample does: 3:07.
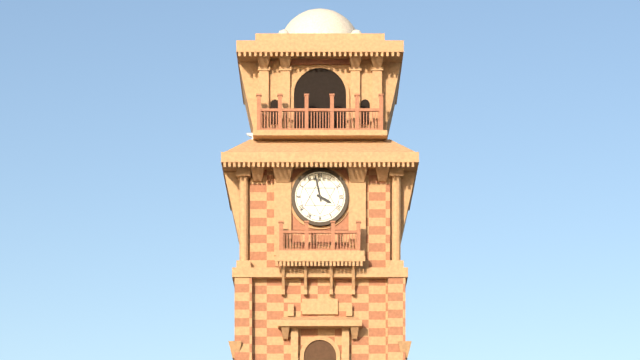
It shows 3:58
